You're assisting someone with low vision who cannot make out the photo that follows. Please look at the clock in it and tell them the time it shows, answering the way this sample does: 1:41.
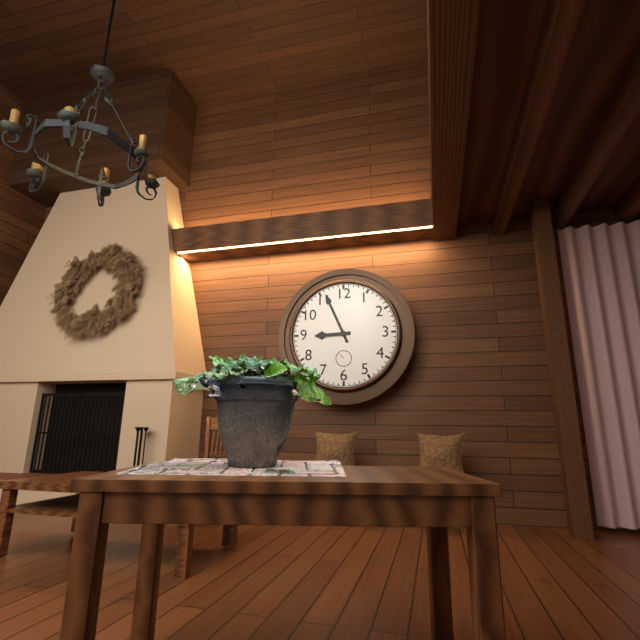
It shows 8:56
